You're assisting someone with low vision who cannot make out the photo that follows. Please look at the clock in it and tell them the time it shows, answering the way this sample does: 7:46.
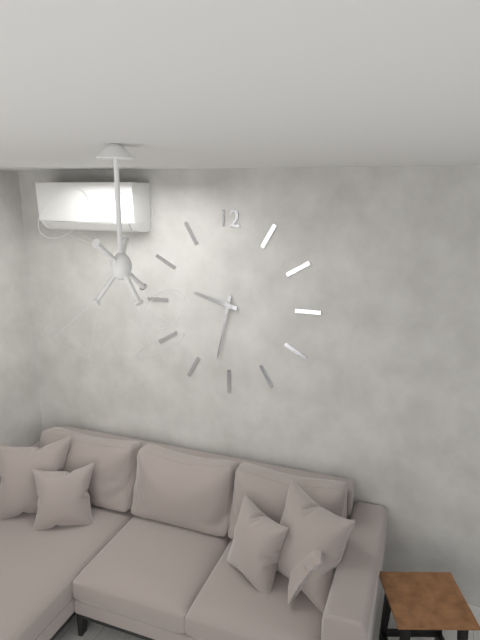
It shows 9:32
